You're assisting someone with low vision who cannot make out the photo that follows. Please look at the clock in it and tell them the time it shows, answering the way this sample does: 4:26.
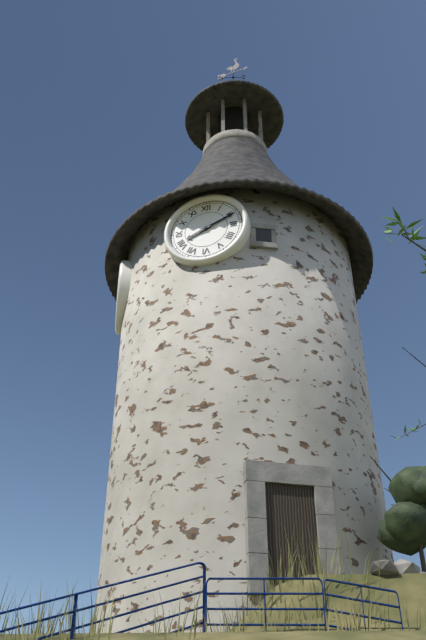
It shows 8:11
